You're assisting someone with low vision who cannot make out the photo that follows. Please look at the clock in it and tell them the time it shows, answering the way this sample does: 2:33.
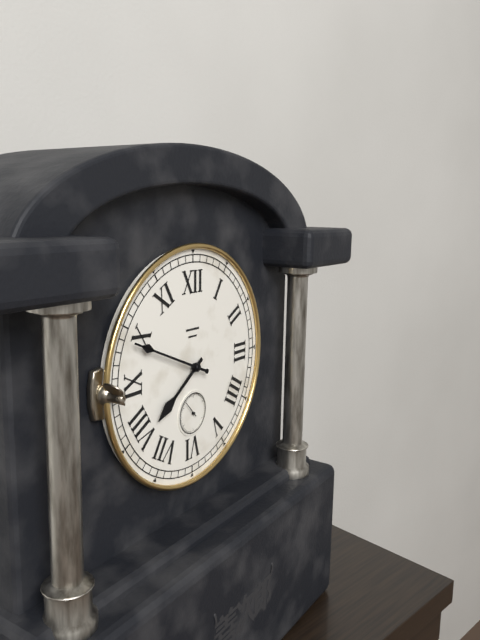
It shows 7:49
